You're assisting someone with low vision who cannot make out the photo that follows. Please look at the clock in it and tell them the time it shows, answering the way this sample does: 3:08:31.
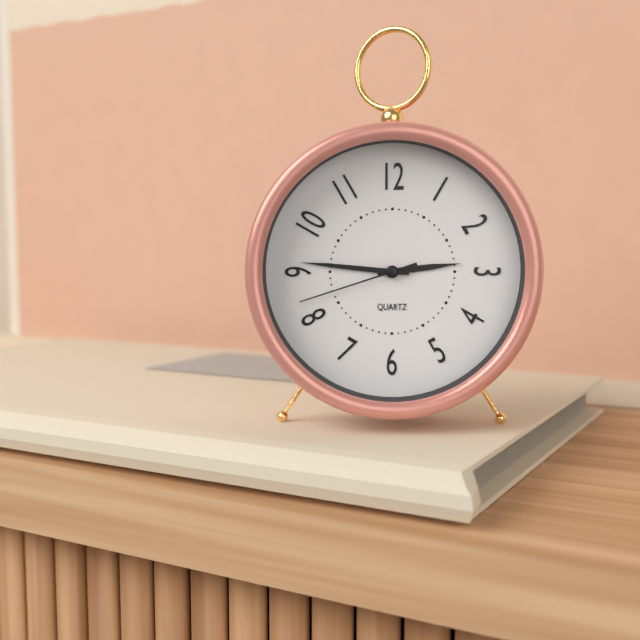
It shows 2:46:42
